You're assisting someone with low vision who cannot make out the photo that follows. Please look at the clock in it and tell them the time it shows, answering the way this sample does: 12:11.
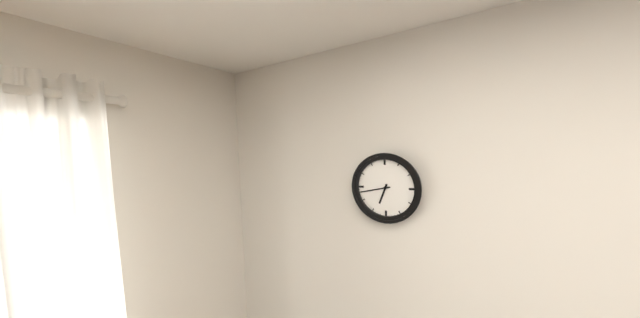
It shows 6:43
